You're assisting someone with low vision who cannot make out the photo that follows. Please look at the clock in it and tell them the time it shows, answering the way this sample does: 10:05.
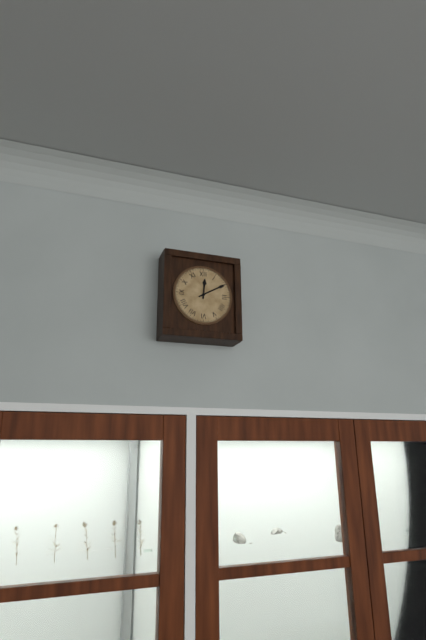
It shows 12:10
